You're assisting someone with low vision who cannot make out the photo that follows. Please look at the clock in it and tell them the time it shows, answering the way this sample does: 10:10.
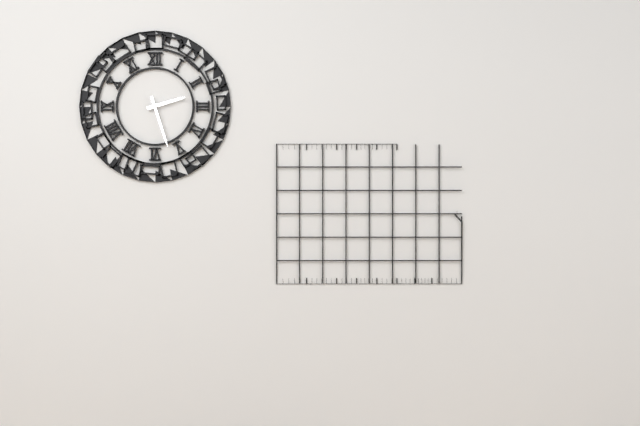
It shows 2:27
